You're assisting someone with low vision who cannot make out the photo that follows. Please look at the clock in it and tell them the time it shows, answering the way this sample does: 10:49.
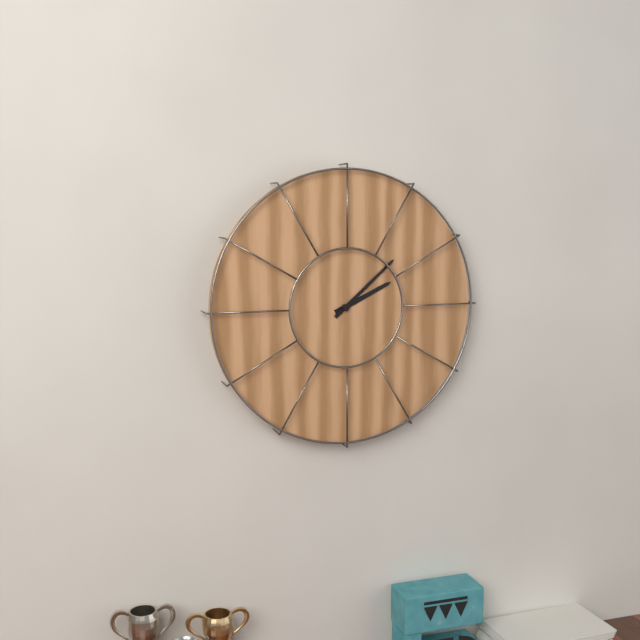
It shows 2:08
